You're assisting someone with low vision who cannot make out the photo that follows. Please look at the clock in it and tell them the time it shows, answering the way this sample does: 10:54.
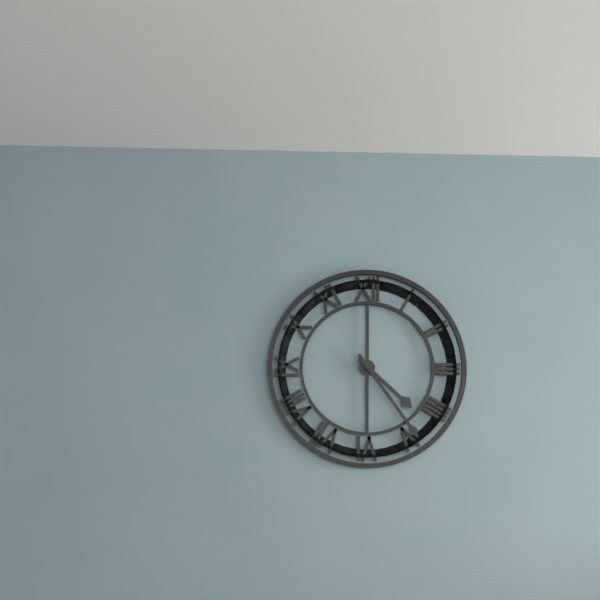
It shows 4:24
